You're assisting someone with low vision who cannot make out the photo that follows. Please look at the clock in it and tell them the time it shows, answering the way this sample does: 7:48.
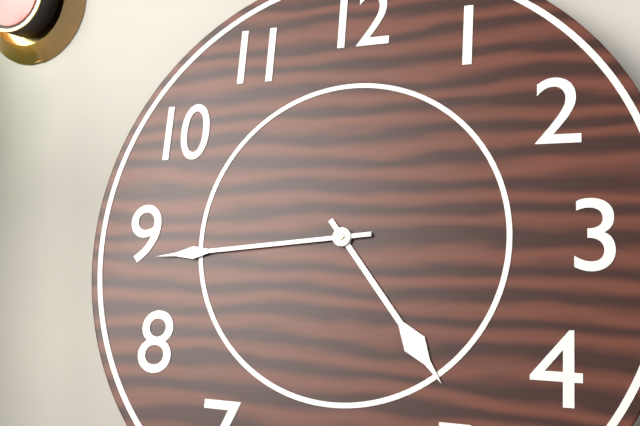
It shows 4:44
